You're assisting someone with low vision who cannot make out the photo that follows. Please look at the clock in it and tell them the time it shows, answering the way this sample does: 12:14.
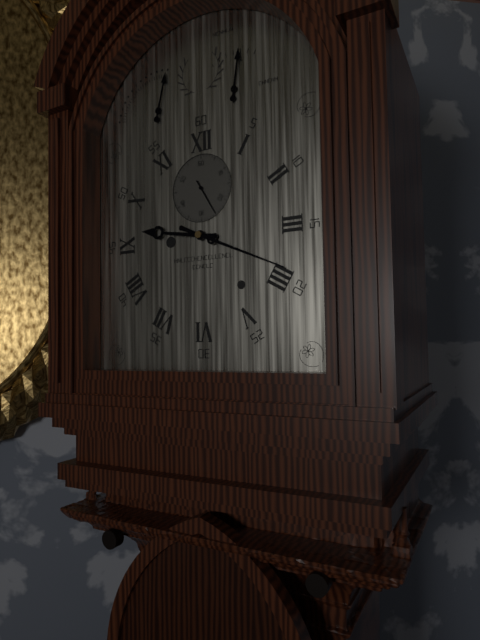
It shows 9:19
